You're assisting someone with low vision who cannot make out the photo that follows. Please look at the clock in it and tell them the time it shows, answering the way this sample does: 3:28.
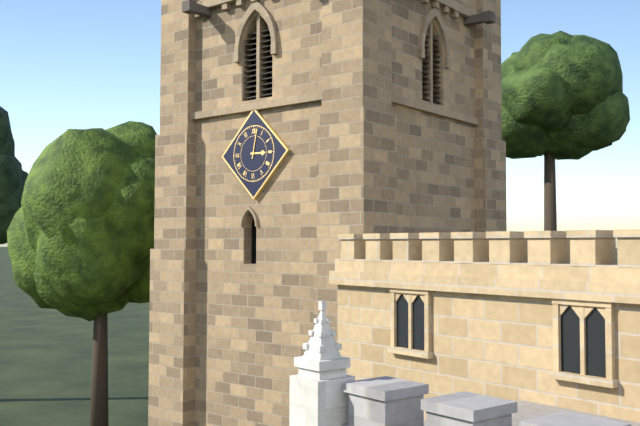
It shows 3:02
